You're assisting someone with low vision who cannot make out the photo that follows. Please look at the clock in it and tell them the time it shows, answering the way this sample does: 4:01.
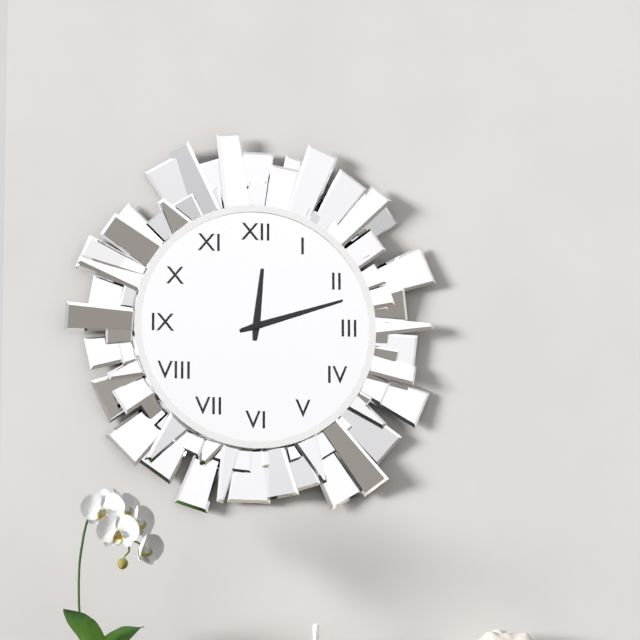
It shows 12:12
